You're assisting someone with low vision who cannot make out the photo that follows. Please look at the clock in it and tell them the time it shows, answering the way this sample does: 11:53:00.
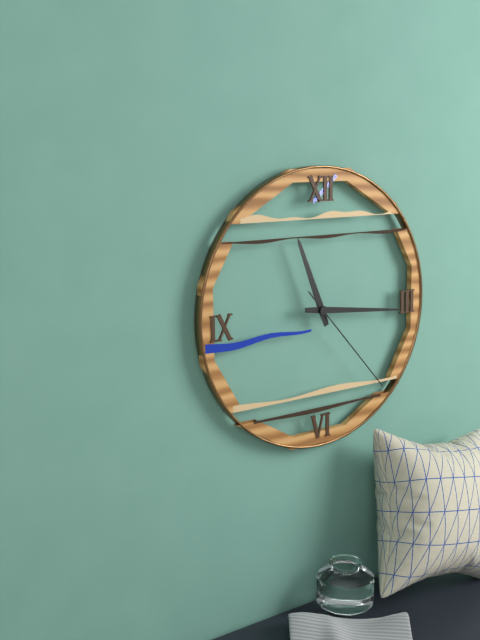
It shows 11:16:23
